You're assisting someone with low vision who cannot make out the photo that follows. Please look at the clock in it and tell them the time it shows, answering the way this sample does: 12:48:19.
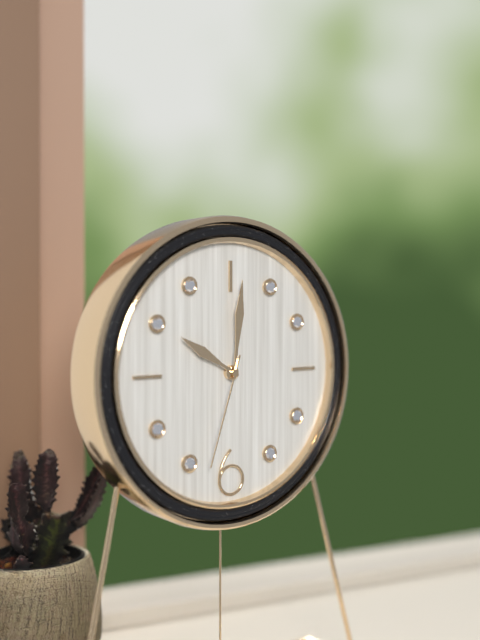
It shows 10:01:33
